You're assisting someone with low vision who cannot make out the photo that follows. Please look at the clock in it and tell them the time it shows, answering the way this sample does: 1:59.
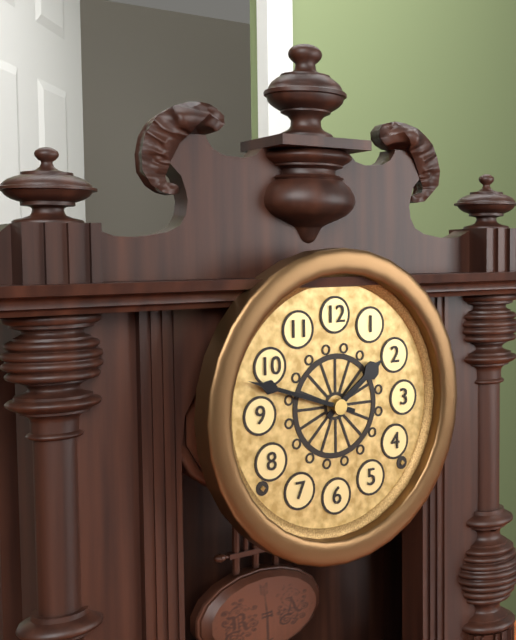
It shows 1:48
